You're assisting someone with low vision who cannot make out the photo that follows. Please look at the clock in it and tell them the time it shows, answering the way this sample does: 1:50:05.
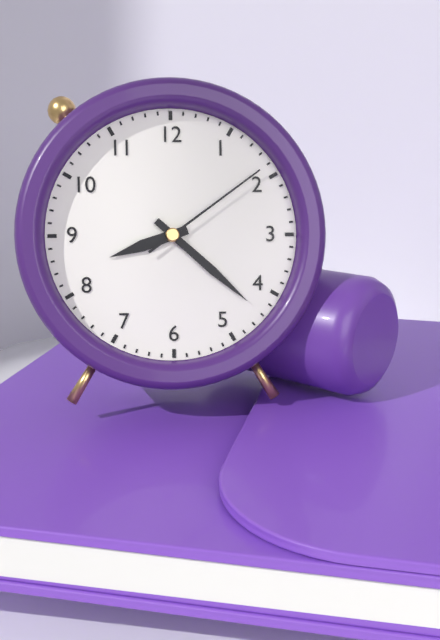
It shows 8:22:09
